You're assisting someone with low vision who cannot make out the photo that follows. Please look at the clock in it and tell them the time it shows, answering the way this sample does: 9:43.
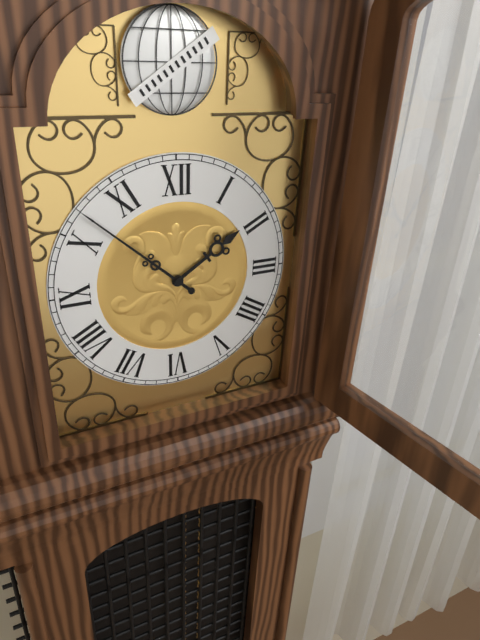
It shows 1:52
